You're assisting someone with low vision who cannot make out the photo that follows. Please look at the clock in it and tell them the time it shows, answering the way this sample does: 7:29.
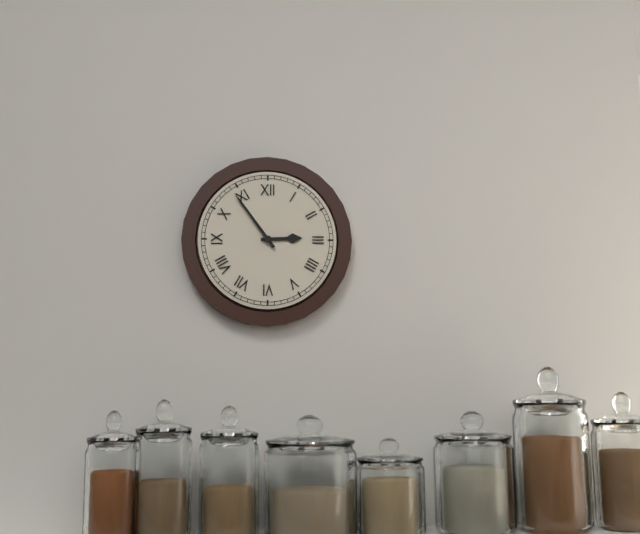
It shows 2:54
